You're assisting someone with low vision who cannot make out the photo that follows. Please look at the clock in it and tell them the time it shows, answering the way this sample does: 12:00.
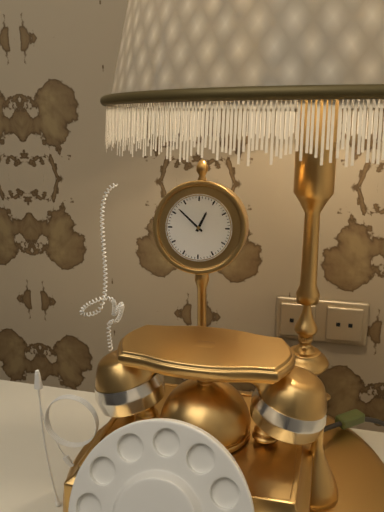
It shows 12:52
